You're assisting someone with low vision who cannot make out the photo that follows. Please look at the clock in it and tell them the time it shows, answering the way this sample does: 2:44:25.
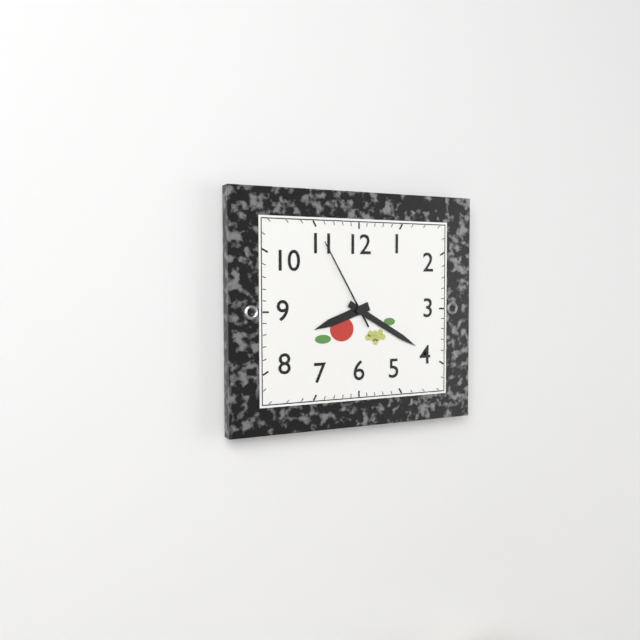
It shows 8:20:55
